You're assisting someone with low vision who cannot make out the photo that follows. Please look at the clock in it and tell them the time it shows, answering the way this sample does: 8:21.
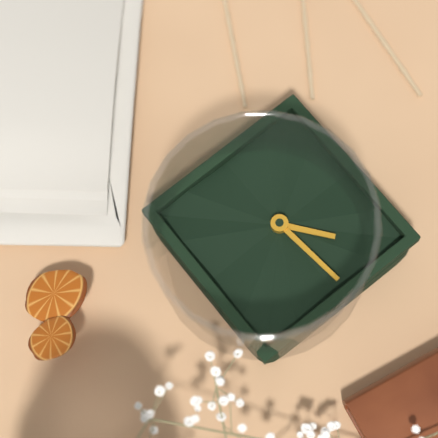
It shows 7:44
